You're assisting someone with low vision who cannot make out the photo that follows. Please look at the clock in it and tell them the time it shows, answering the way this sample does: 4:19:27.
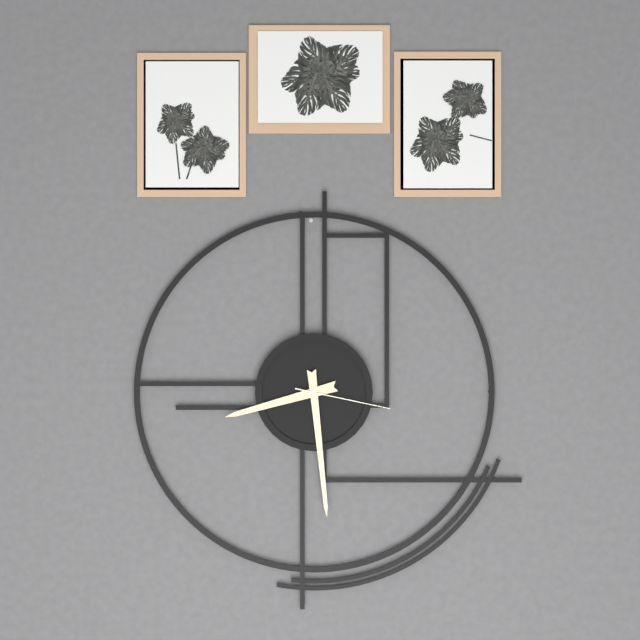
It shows 8:29:17
